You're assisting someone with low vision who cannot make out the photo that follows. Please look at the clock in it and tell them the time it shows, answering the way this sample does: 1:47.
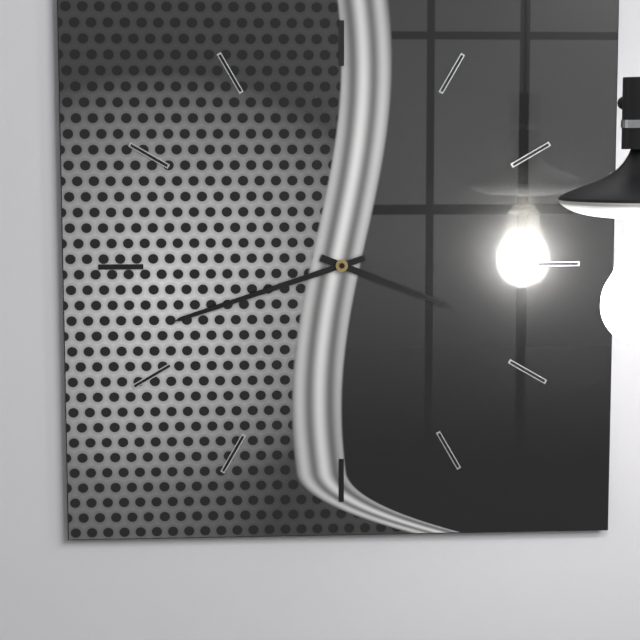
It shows 3:42
